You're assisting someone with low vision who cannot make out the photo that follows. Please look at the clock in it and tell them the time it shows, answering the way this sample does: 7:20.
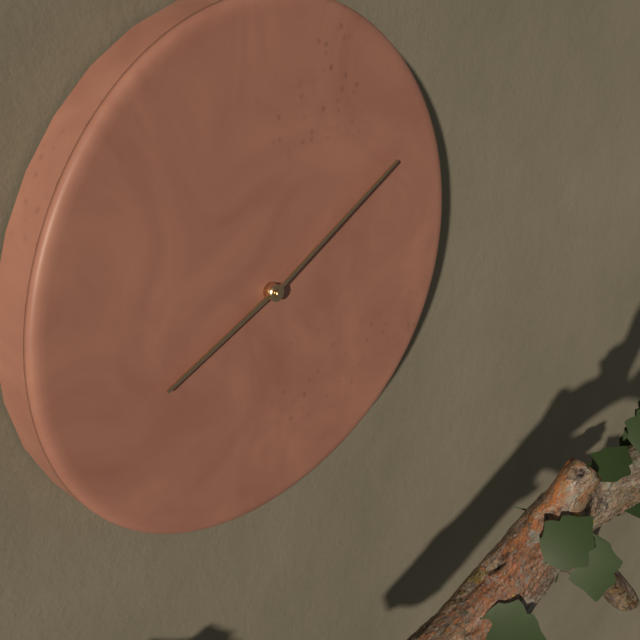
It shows 8:10
